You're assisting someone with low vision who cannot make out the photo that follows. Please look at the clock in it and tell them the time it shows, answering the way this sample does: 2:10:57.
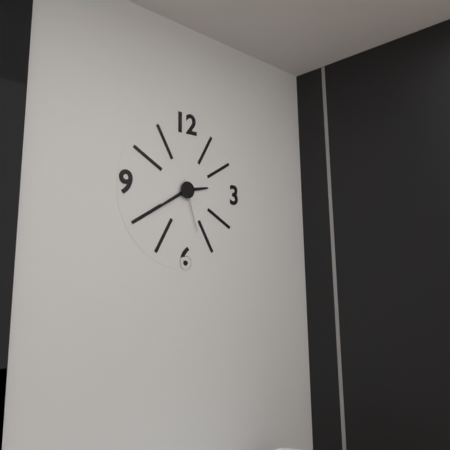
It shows 2:40:27
